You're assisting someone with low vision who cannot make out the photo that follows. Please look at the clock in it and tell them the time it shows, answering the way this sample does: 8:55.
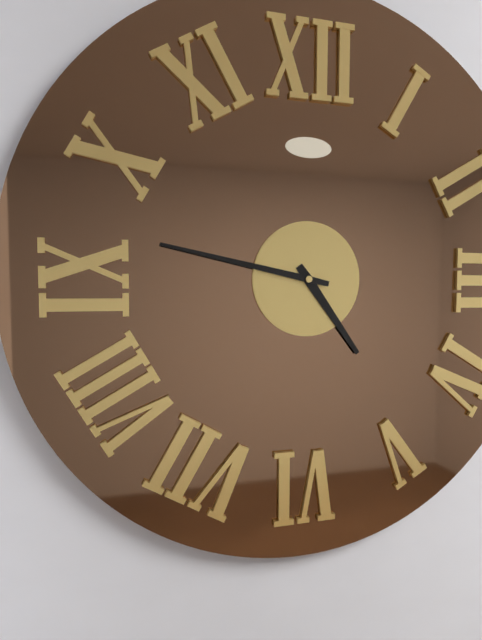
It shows 4:47
